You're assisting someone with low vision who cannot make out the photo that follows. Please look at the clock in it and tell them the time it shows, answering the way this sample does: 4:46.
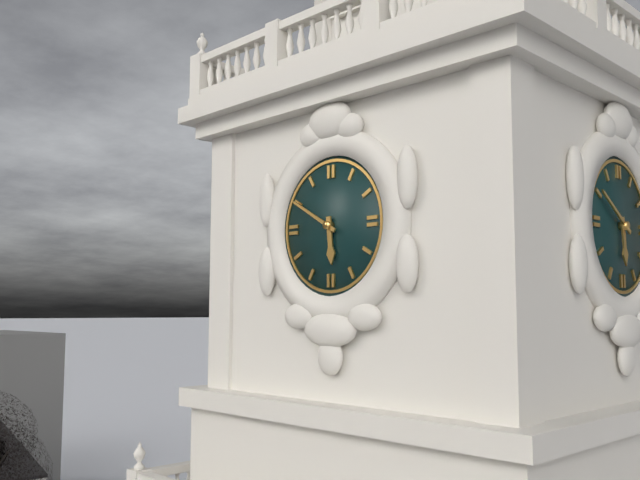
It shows 5:50
